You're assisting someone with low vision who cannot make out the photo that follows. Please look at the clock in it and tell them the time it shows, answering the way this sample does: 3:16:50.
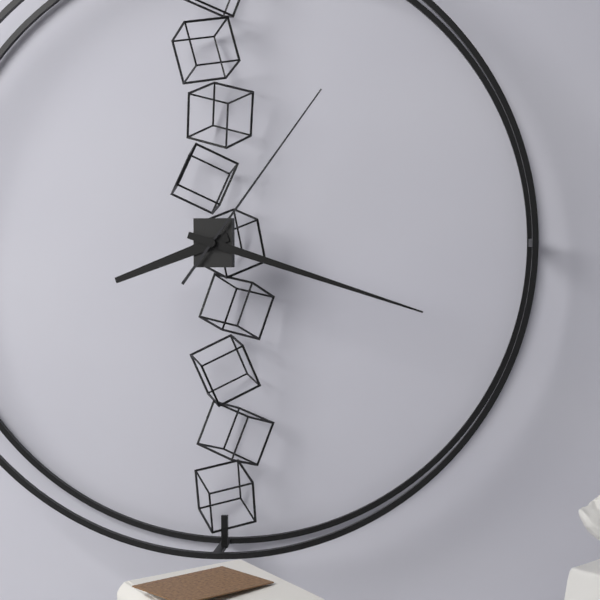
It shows 8:18:06
